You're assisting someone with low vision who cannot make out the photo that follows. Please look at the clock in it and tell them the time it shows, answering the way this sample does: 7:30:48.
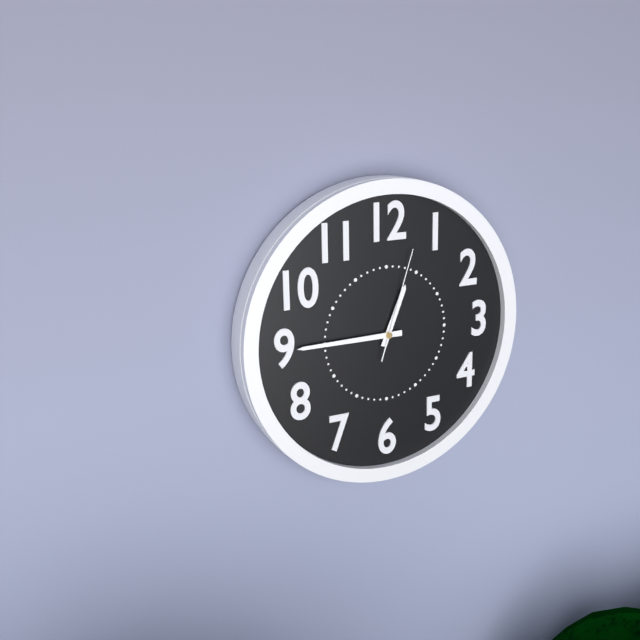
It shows 12:45:03
